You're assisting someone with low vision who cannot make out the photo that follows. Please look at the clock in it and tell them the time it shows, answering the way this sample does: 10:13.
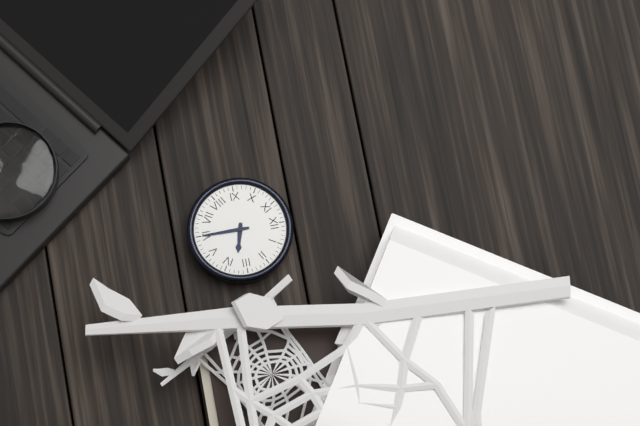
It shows 3:30
